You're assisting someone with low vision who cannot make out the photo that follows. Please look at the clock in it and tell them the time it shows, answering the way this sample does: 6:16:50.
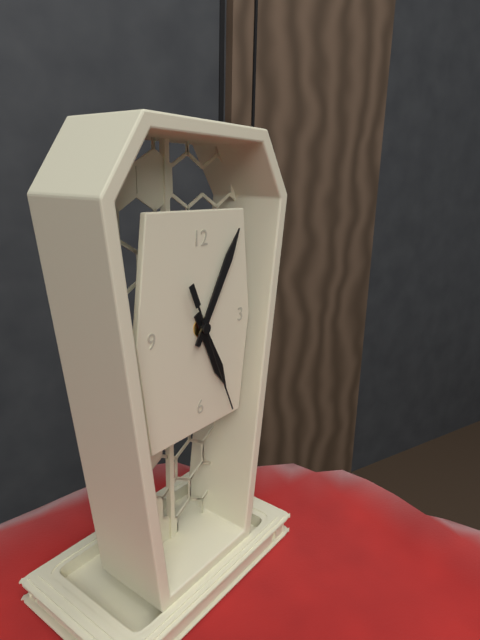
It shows 5:05:26
